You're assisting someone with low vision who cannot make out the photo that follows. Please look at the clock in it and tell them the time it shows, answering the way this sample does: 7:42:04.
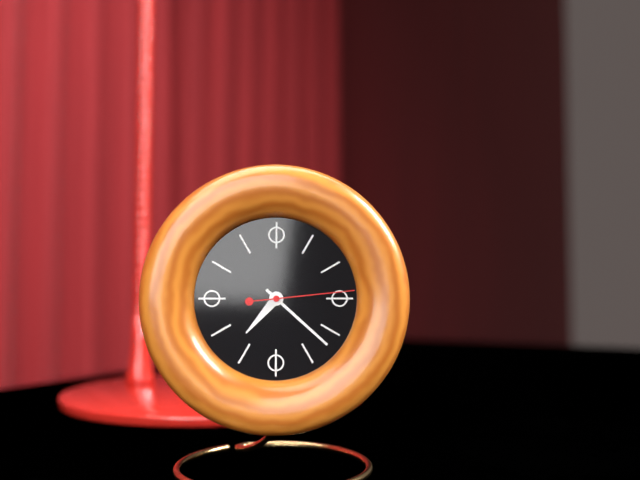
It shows 7:22:14
